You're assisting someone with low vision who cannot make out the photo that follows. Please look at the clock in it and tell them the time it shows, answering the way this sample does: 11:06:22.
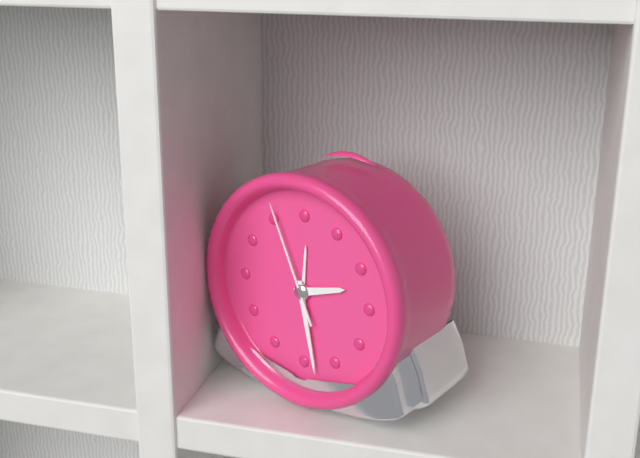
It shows 2:28:56
